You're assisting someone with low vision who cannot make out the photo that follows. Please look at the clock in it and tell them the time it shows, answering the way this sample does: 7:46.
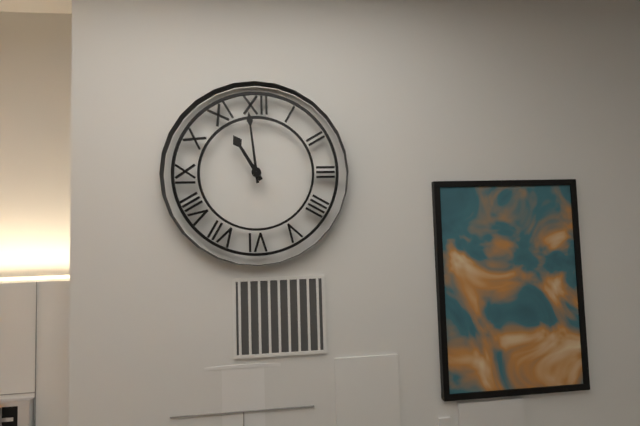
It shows 10:59
